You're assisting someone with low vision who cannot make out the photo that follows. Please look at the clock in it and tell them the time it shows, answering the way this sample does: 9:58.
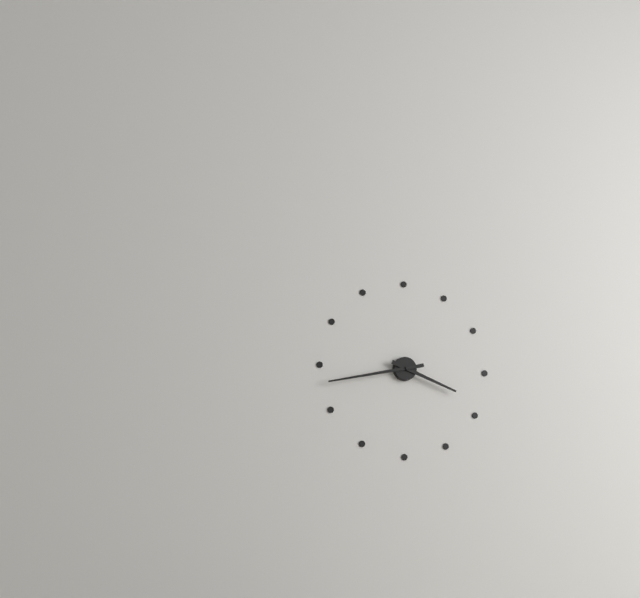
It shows 3:43
